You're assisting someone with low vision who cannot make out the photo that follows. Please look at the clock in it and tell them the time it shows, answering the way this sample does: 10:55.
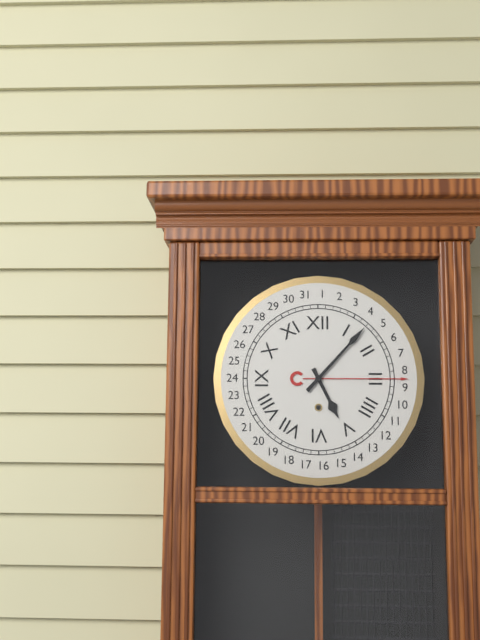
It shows 5:07
